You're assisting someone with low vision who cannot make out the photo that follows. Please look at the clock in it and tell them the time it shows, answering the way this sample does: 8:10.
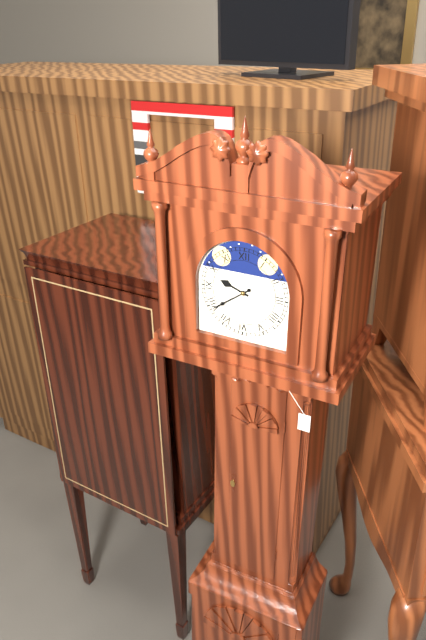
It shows 9:39
